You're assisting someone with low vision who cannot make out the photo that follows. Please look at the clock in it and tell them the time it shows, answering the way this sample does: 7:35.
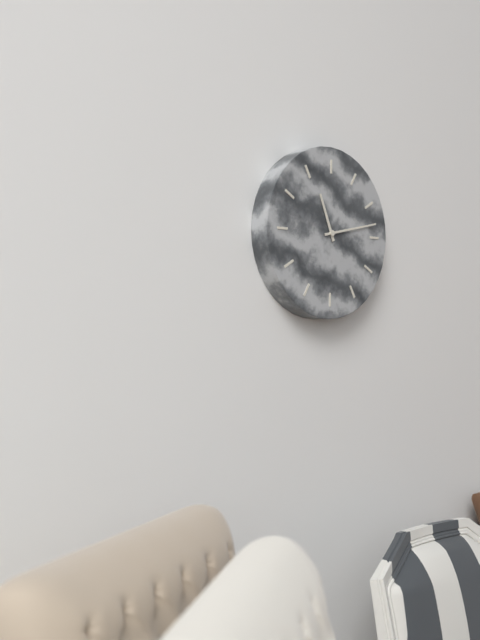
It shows 11:13
